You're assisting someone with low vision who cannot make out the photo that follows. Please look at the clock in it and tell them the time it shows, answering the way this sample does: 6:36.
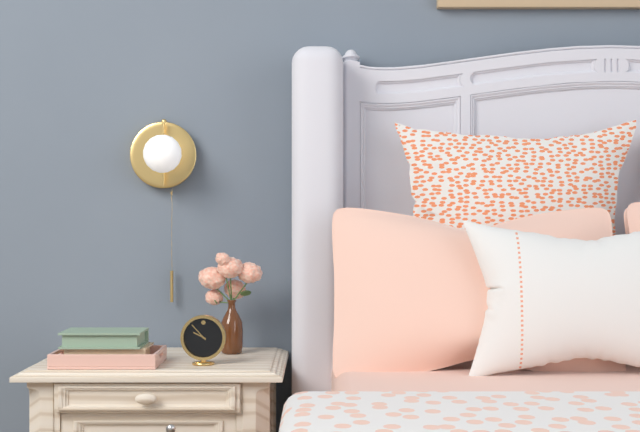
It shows 9:53
